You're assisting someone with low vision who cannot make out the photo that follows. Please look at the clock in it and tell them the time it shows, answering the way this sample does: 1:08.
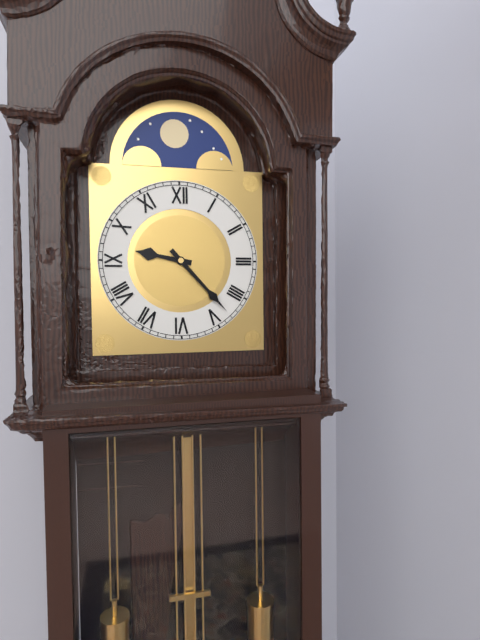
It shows 9:23
